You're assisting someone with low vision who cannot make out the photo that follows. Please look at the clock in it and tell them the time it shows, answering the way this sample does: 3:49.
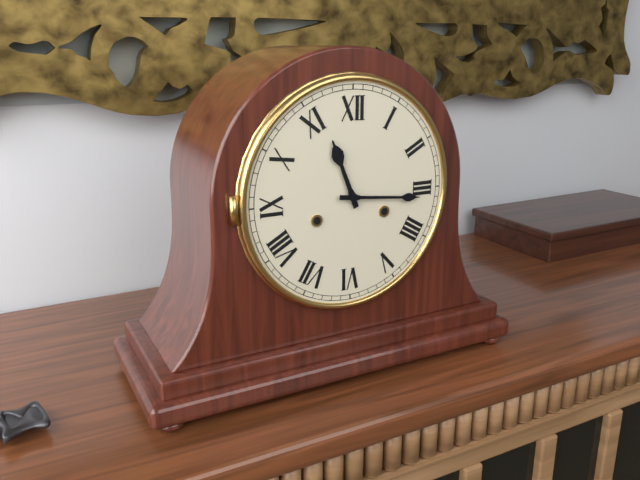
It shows 11:16
